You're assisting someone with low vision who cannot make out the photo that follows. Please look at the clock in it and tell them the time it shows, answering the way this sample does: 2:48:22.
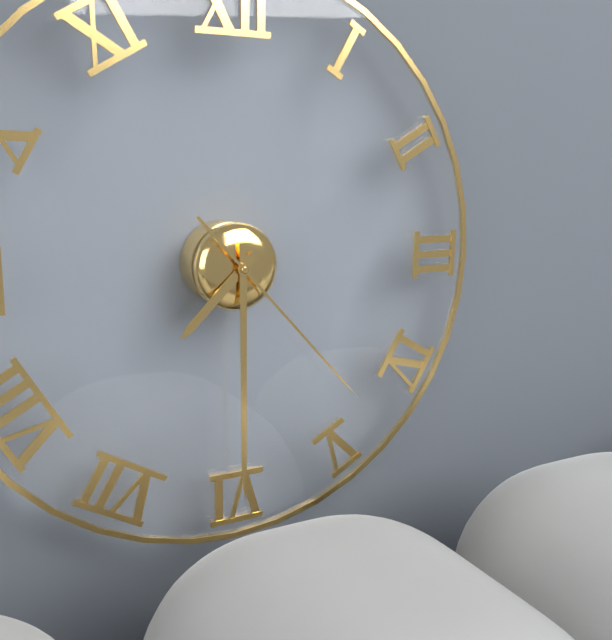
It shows 7:30:23
